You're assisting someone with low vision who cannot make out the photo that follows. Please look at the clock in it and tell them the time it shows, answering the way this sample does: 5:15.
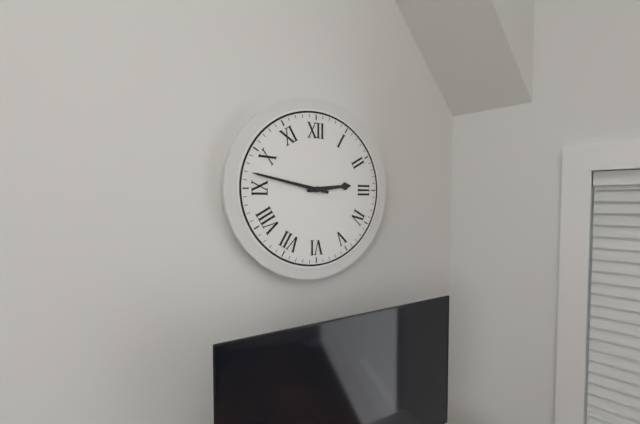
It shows 2:47
